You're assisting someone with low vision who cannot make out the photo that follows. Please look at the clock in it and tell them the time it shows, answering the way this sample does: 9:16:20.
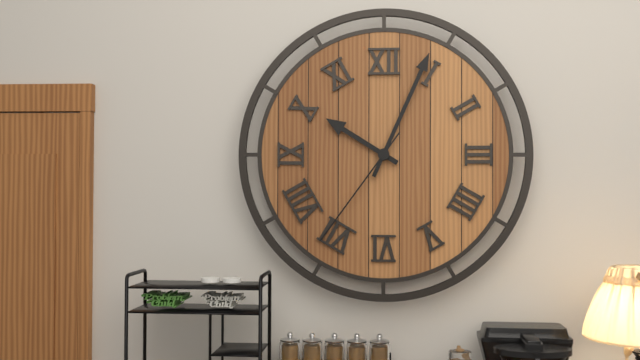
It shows 10:04:36
